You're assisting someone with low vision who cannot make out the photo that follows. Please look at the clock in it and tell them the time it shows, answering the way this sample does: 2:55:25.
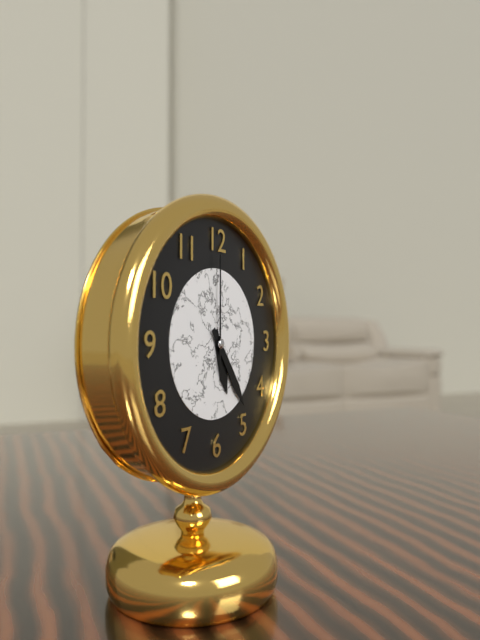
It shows 5:24:00
